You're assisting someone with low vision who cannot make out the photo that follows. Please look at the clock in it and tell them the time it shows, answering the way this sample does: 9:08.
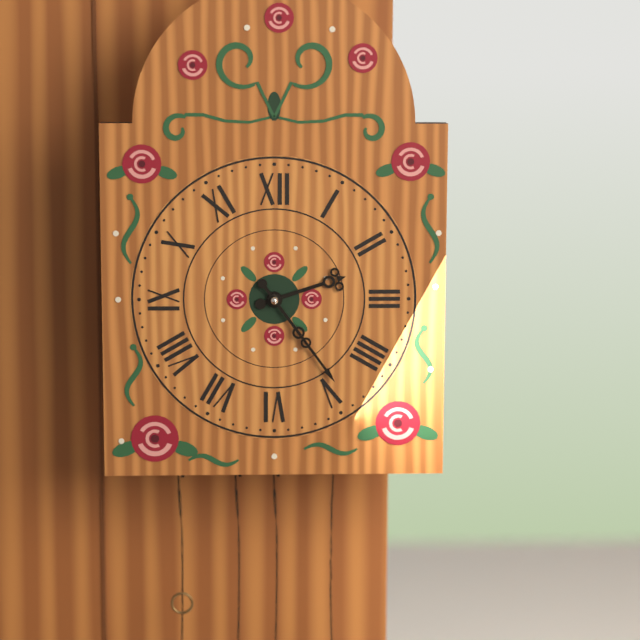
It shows 2:24
